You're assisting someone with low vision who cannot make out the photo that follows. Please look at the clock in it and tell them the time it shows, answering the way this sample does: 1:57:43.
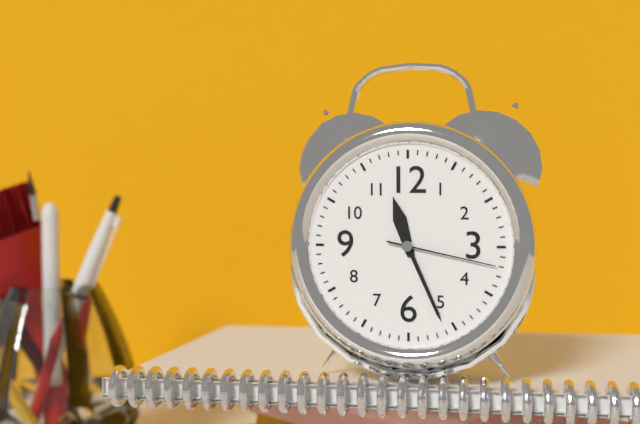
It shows 11:26:17
